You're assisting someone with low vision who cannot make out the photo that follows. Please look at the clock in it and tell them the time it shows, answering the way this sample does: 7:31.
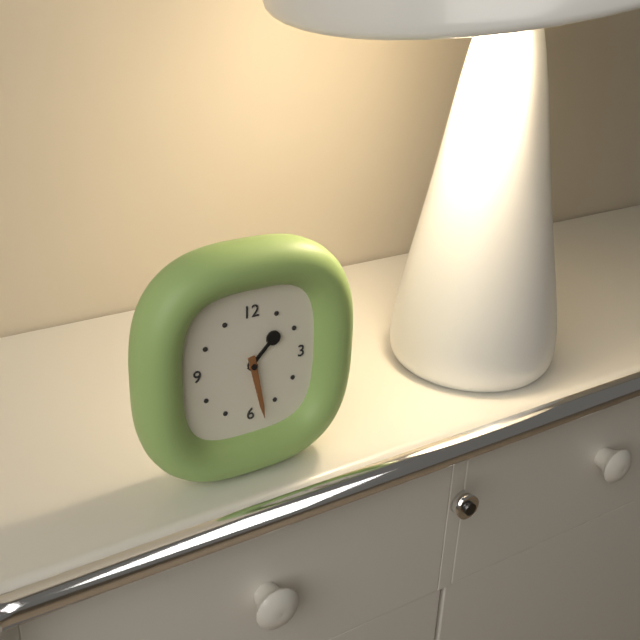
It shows 1:28
